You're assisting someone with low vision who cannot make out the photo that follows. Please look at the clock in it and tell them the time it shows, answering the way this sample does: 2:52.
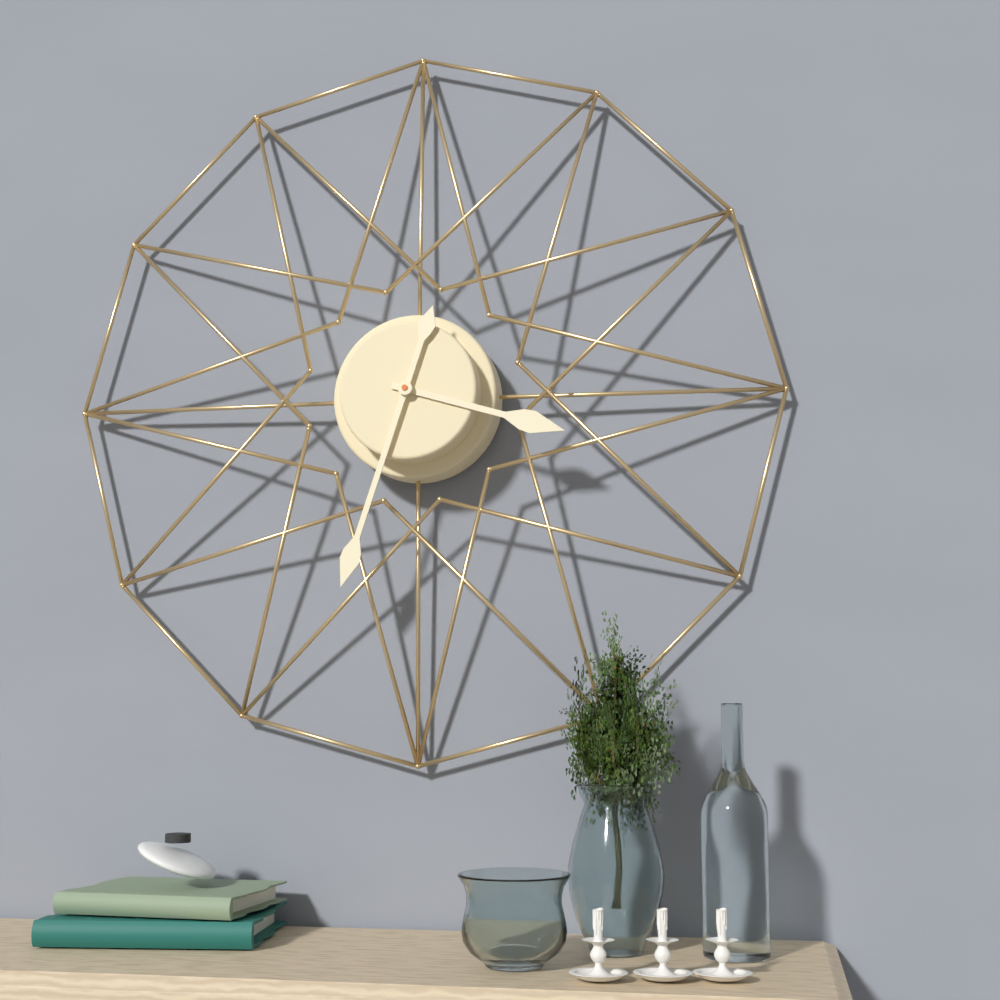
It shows 3:33
